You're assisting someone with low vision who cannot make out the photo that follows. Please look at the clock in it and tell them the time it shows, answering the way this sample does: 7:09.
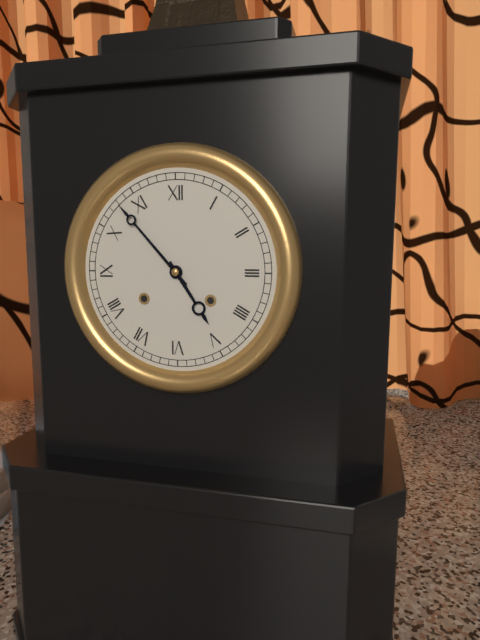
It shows 4:53
